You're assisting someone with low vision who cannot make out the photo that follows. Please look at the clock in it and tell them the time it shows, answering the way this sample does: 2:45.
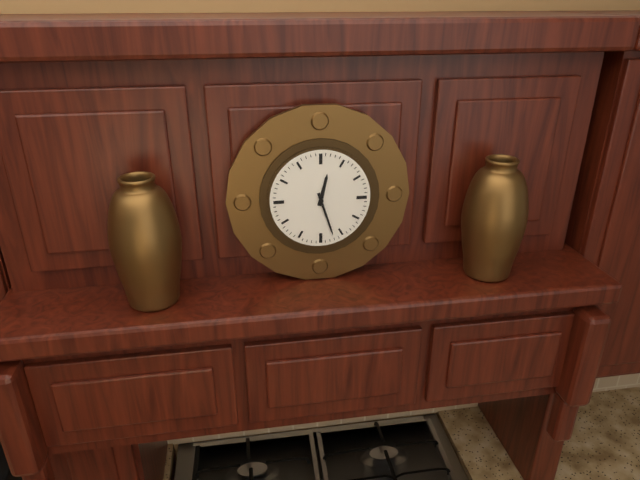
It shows 12:27
